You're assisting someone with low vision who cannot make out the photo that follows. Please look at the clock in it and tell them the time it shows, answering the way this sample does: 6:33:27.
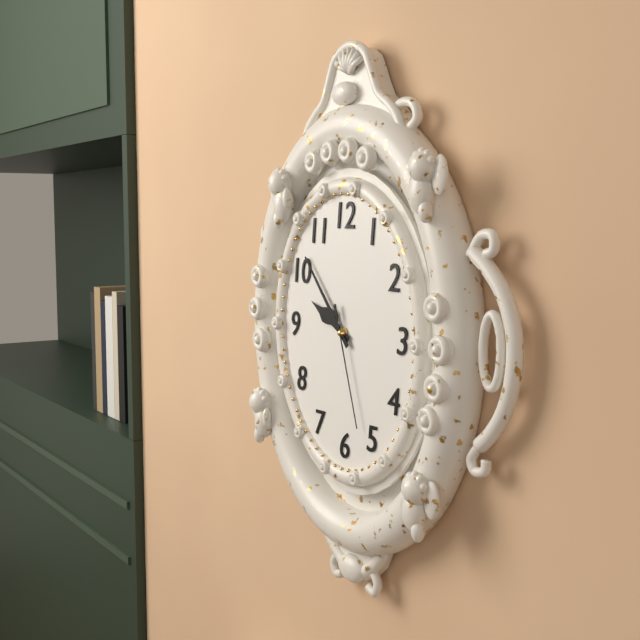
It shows 9:53:27
